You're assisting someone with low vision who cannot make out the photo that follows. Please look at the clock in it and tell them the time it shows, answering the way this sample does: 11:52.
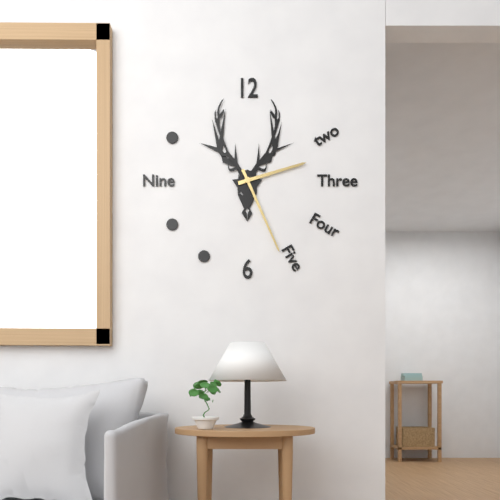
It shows 2:26
